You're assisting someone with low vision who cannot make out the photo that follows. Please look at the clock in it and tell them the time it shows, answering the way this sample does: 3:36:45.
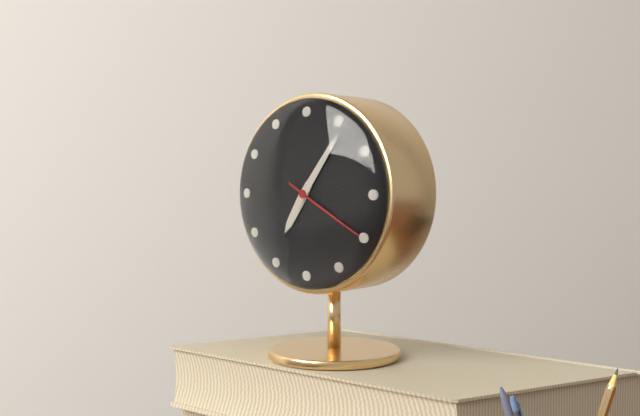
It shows 7:06:20
